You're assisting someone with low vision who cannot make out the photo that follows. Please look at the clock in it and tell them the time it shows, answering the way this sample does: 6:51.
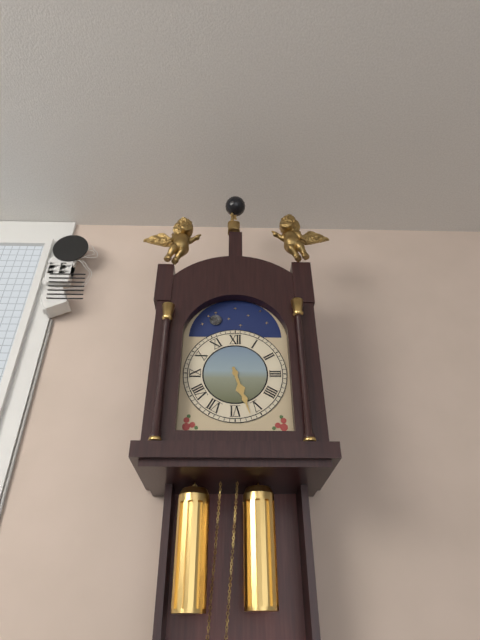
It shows 5:27
